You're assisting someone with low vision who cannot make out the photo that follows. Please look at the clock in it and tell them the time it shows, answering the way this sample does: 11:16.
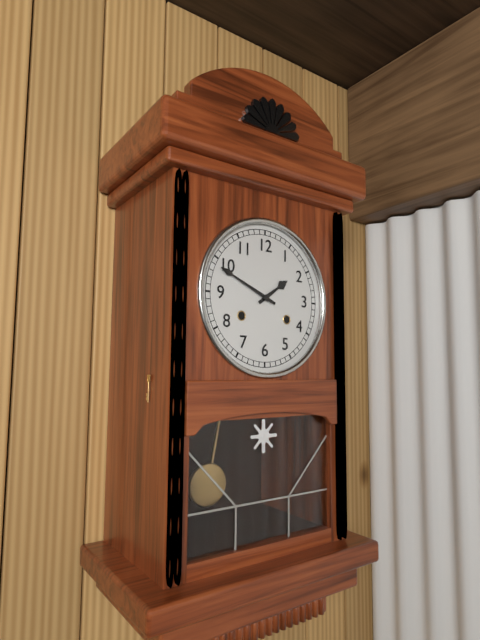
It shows 1:49
